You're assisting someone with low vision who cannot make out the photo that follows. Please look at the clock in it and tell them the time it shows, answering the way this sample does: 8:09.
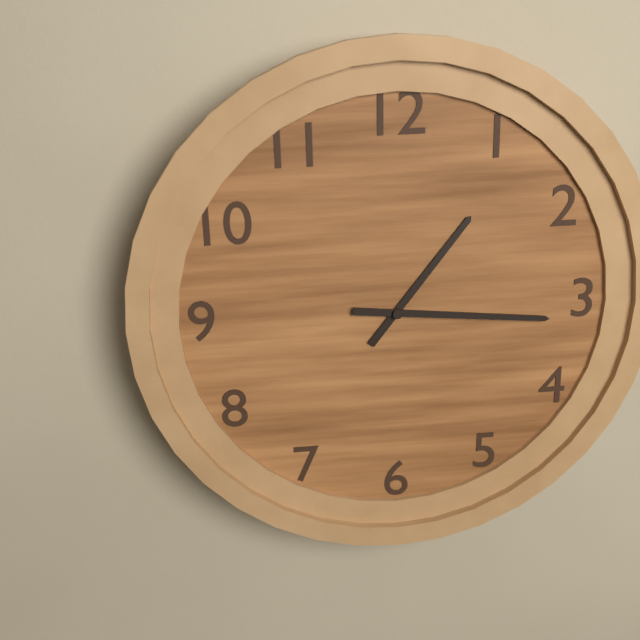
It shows 1:16
